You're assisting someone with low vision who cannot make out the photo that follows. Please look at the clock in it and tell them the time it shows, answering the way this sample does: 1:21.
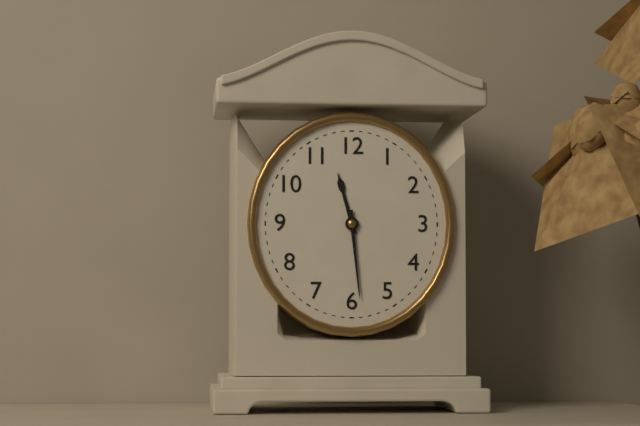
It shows 11:29
